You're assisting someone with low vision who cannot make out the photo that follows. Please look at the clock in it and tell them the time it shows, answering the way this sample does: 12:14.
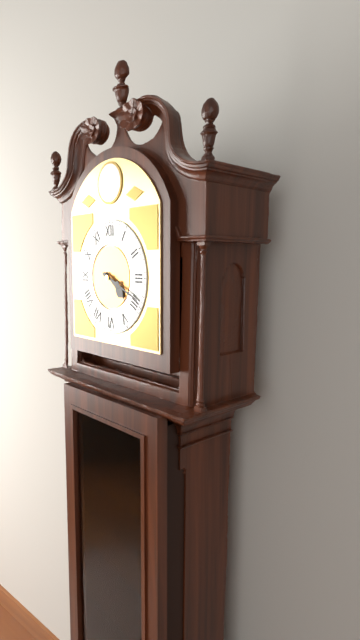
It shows 4:19
